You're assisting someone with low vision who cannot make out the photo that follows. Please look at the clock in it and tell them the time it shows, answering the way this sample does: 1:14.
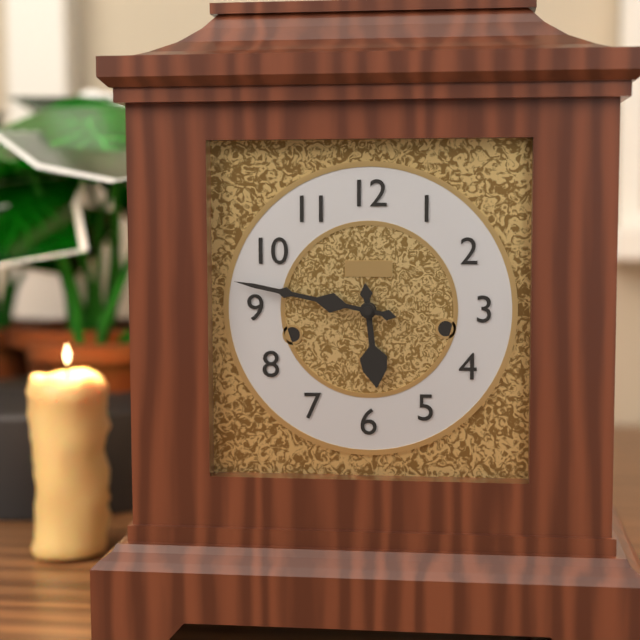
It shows 5:47
